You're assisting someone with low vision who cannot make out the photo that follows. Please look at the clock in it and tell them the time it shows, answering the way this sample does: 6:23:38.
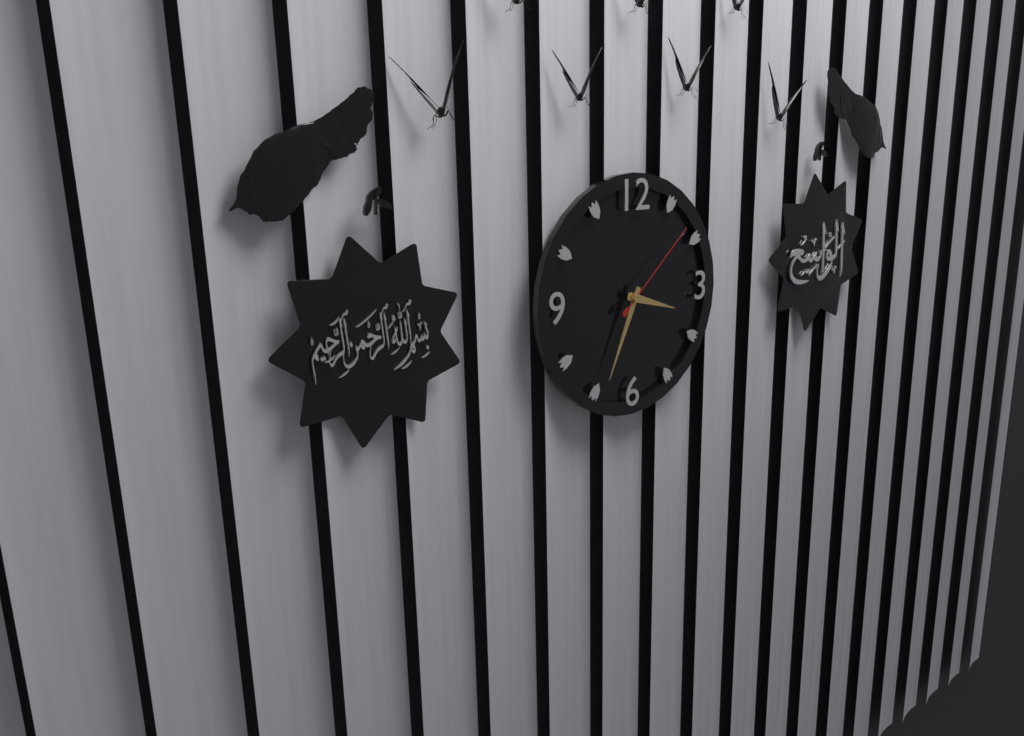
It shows 3:34:08
